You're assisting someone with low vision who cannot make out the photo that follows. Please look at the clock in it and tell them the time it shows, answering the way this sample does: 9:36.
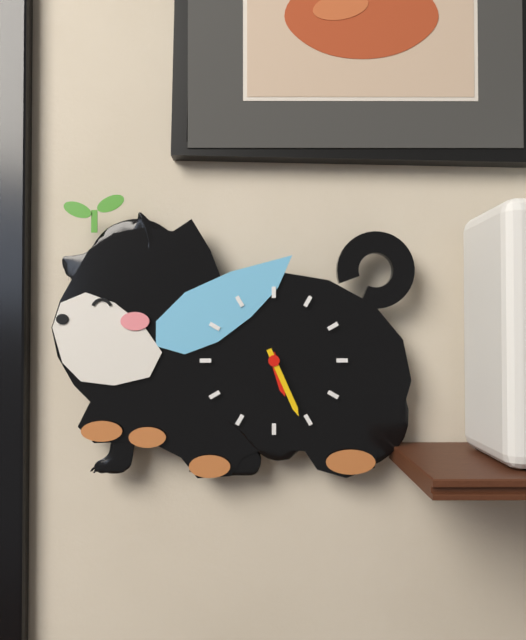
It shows 5:26
